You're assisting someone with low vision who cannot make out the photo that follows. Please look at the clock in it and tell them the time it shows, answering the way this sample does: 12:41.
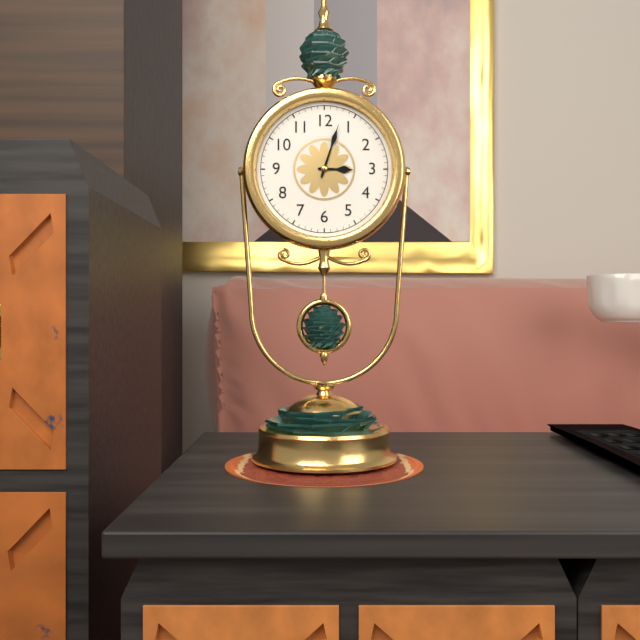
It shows 3:03
